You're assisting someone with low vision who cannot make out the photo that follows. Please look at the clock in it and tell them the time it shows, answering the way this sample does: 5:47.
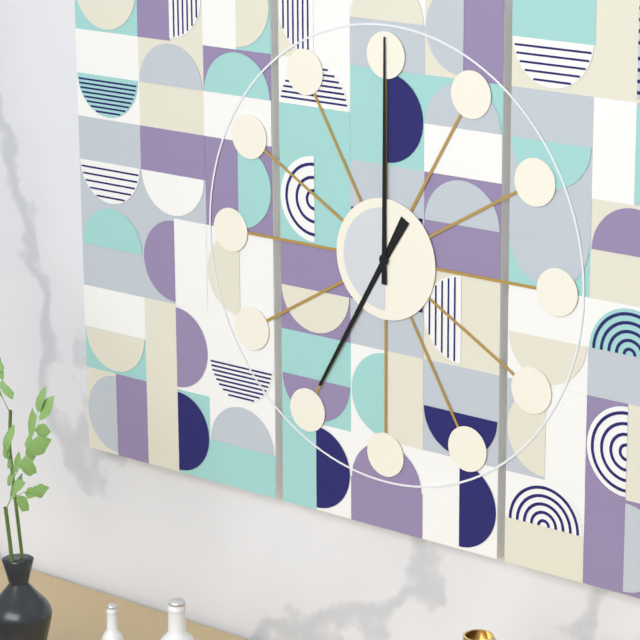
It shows 7:00
